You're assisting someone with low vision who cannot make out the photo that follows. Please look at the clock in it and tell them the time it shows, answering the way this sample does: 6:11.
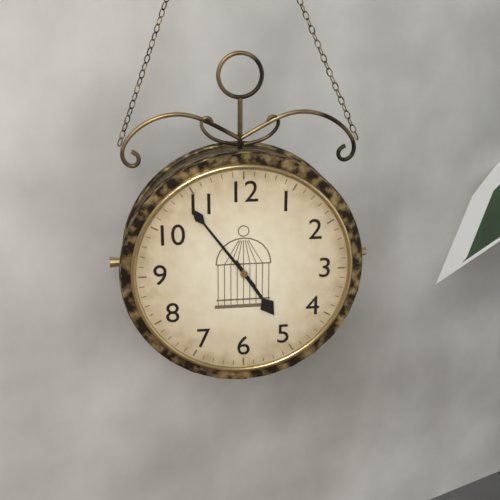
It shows 4:54
